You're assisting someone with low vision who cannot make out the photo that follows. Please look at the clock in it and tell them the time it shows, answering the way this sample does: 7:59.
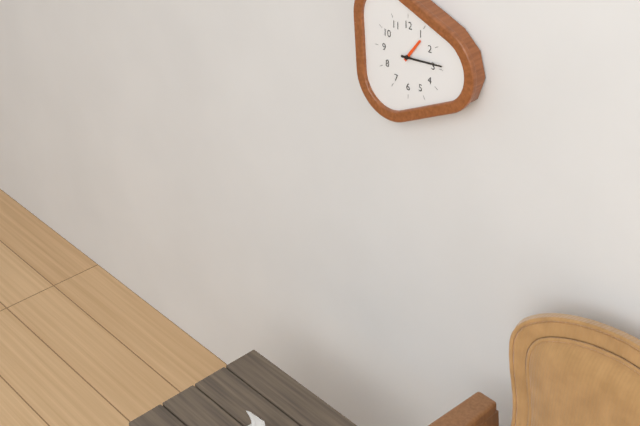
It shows 1:14
